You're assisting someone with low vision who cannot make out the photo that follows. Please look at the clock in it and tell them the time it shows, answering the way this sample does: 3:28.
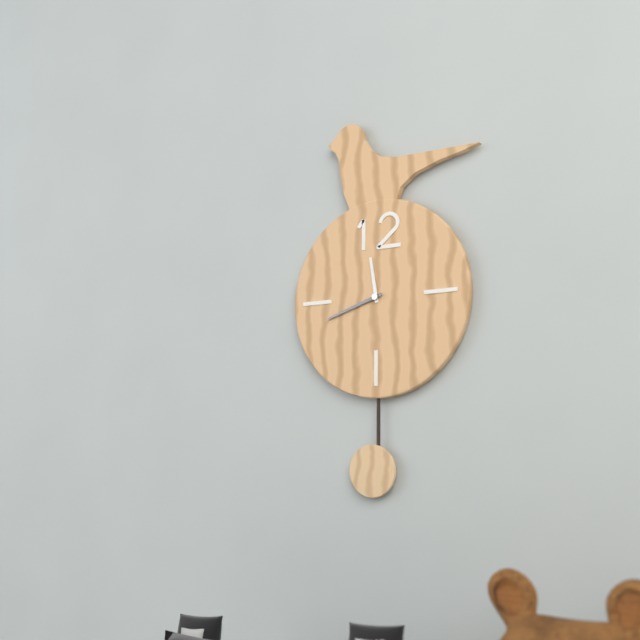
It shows 11:42
